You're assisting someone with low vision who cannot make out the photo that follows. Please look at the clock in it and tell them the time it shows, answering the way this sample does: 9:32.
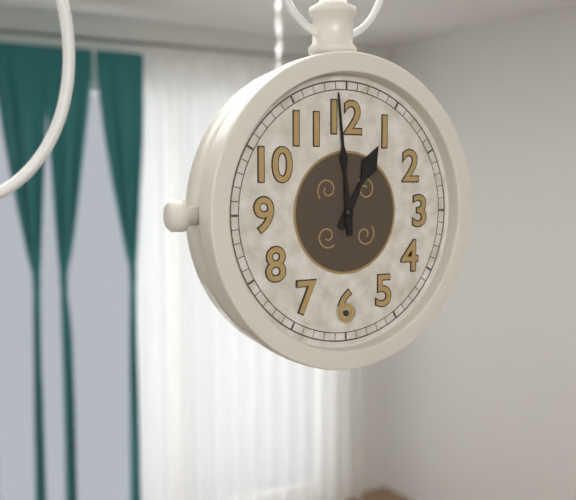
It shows 12:59
